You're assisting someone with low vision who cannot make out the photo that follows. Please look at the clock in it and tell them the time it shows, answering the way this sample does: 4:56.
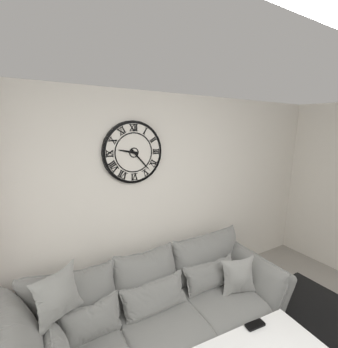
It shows 9:23
